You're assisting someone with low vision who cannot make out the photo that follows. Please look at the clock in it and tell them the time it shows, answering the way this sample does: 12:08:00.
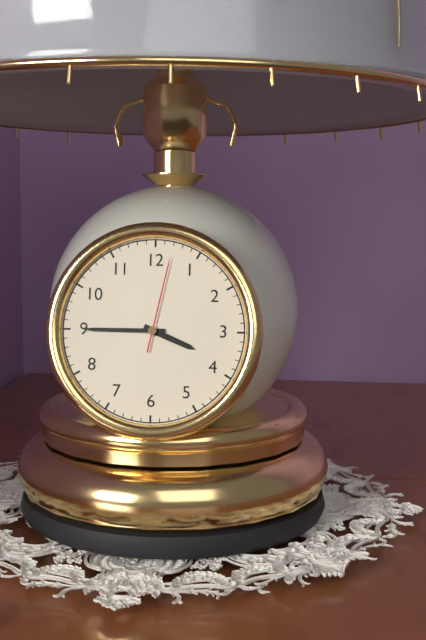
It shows 3:45:02
